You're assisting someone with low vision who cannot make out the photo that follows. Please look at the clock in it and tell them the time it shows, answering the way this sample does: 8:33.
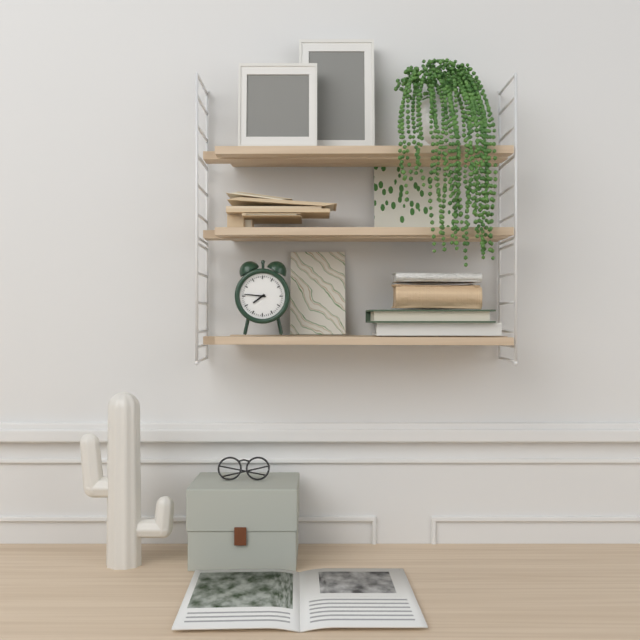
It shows 7:46
